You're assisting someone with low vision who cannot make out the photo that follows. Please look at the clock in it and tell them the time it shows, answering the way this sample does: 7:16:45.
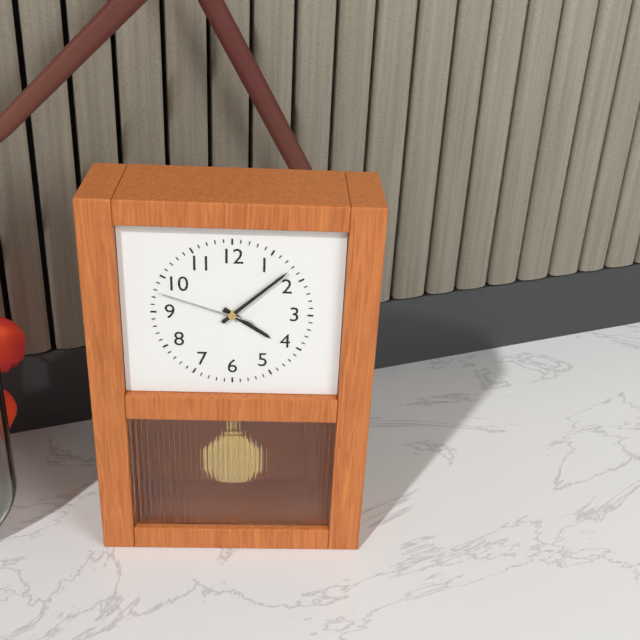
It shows 4:08:48
